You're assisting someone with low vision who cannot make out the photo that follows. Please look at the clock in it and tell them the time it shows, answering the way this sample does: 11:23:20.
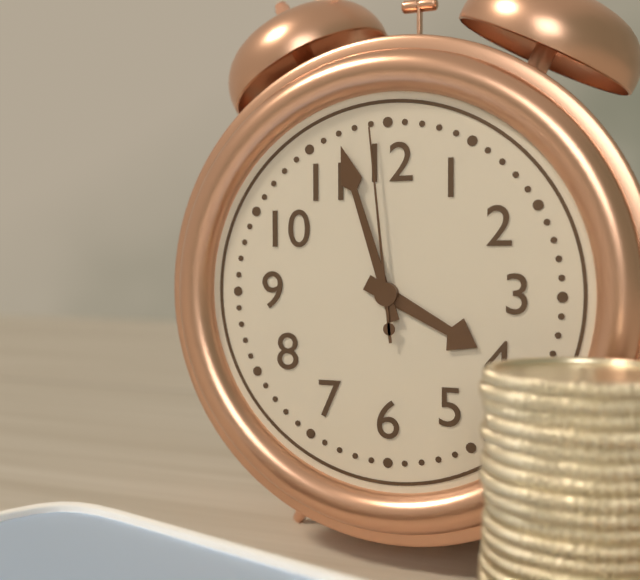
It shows 3:57:59
